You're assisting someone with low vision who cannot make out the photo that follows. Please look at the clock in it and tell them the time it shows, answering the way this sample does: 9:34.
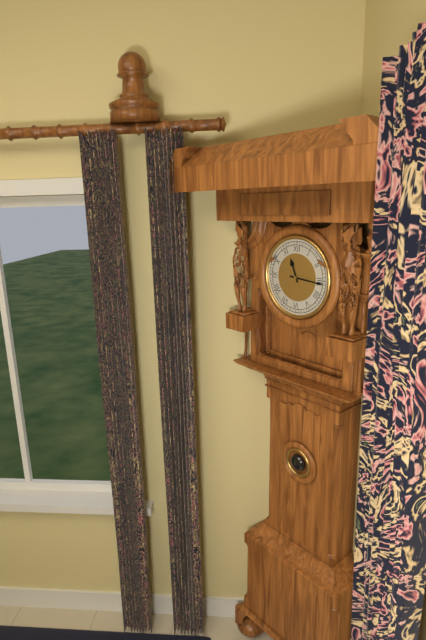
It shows 11:16
